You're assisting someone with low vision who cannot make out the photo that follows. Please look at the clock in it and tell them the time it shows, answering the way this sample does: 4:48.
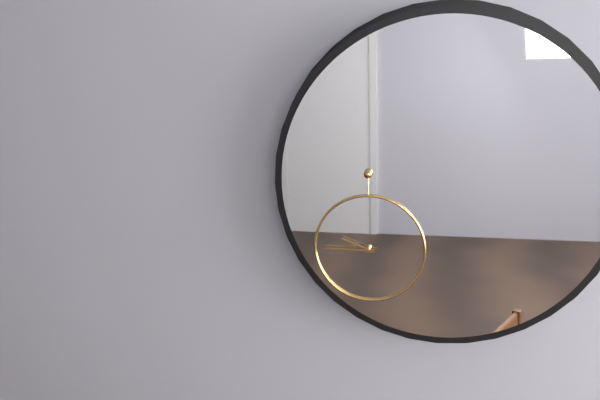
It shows 9:45
